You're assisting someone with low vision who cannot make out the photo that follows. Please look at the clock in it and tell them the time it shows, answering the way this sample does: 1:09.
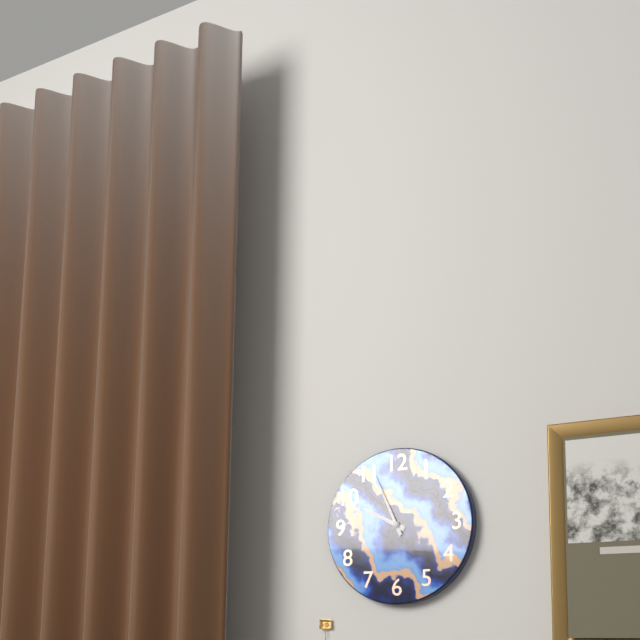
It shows 9:56
